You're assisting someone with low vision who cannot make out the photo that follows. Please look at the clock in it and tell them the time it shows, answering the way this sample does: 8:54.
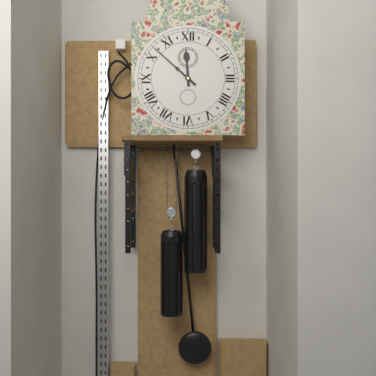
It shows 11:52
